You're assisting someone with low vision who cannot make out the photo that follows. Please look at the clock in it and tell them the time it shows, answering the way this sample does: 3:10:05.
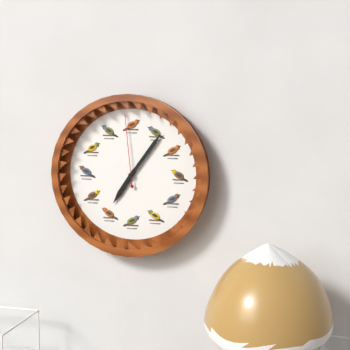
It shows 7:06:59
